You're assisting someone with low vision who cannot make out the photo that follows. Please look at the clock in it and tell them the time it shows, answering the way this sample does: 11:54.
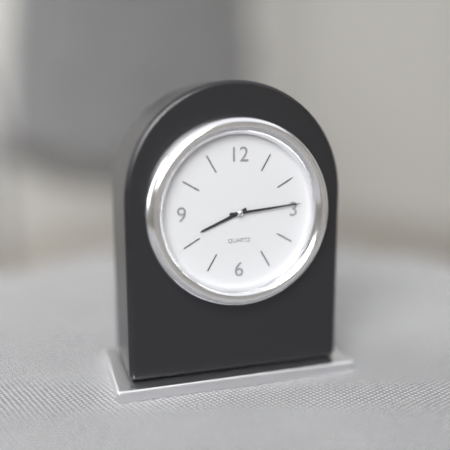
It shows 8:14
